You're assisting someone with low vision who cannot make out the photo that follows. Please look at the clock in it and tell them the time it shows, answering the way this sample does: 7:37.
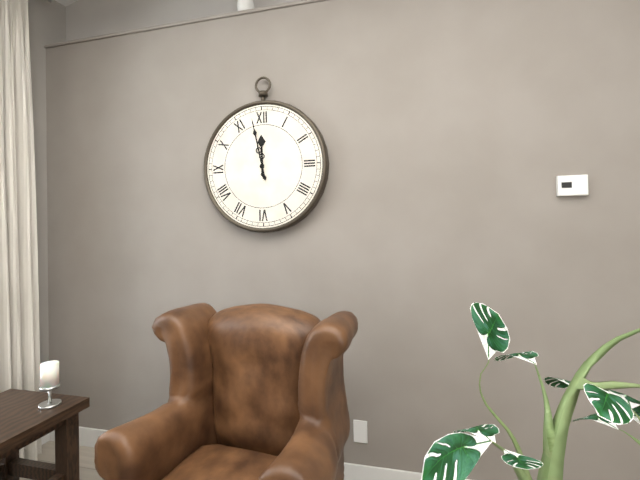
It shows 11:58
